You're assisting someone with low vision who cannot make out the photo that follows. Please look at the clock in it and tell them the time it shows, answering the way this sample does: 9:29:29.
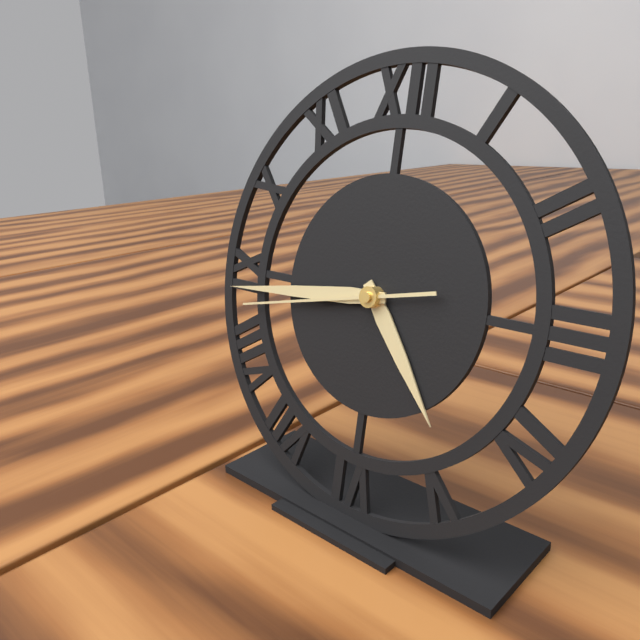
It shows 4:44:43
